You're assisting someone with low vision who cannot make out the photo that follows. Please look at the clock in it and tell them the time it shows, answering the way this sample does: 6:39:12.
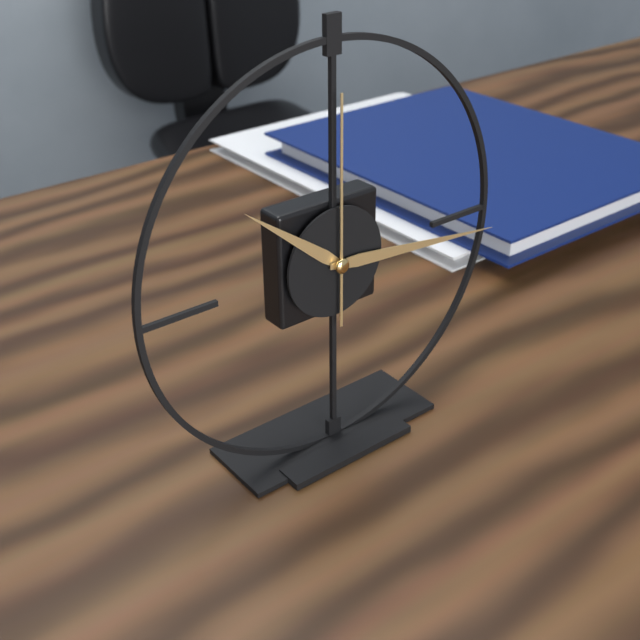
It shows 10:16:00
